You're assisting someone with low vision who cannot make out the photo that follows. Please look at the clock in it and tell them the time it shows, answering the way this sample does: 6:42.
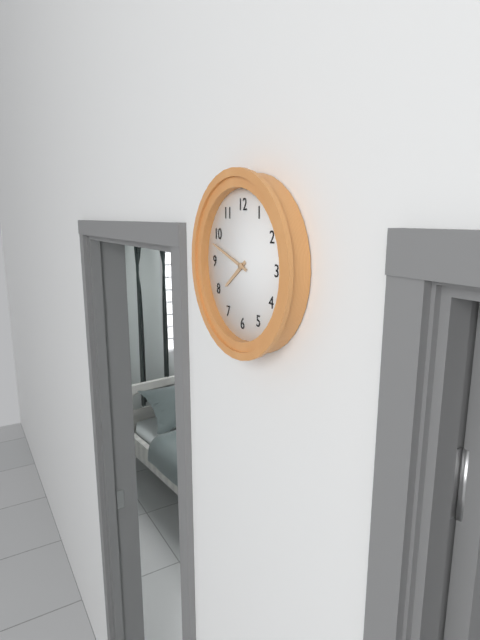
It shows 7:48
